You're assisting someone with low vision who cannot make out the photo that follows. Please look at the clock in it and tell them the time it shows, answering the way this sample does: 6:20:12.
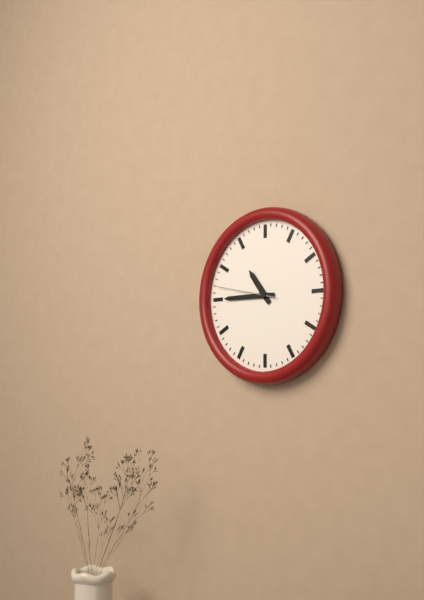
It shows 10:45:47
